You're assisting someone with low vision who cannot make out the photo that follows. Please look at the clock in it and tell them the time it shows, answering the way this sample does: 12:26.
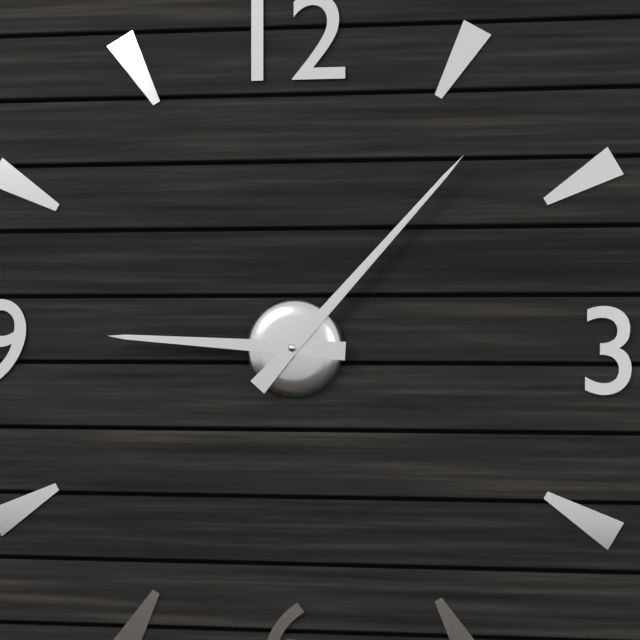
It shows 9:07
